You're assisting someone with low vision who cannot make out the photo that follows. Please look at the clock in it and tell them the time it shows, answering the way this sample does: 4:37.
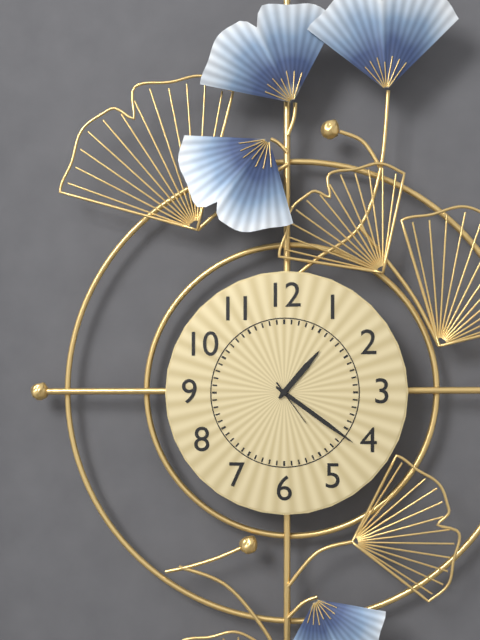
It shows 1:21
